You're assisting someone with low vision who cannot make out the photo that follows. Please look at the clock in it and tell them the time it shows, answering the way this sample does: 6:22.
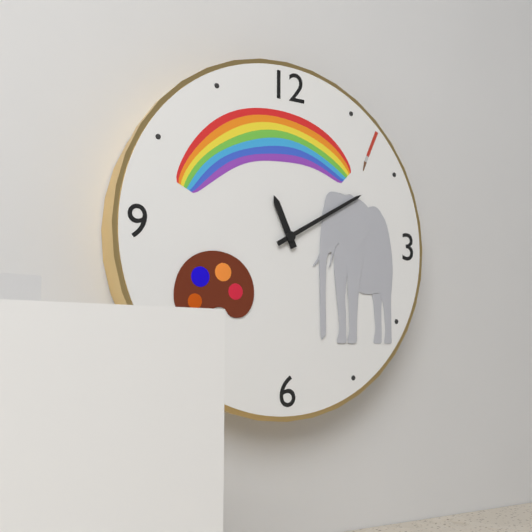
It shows 11:10
